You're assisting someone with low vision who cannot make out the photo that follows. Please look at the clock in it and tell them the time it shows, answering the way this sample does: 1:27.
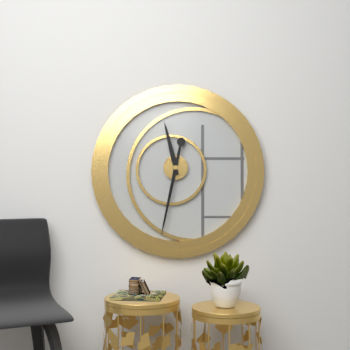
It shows 11:32
